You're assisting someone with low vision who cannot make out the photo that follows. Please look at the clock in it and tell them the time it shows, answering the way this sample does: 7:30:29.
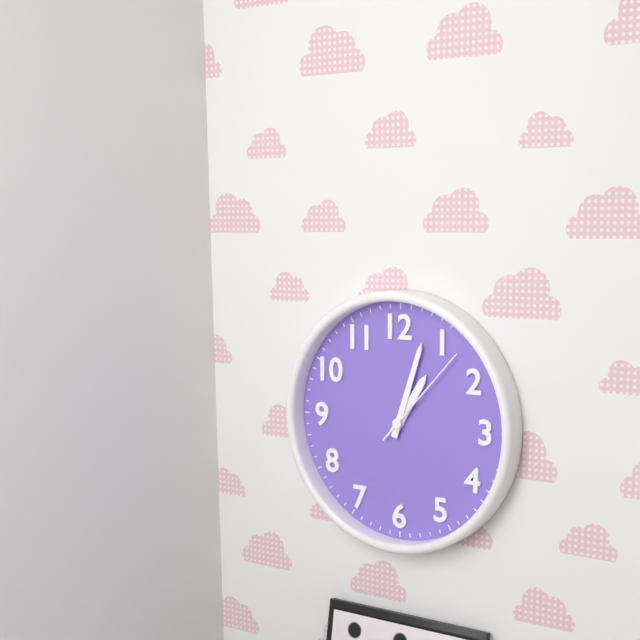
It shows 1:03:07
